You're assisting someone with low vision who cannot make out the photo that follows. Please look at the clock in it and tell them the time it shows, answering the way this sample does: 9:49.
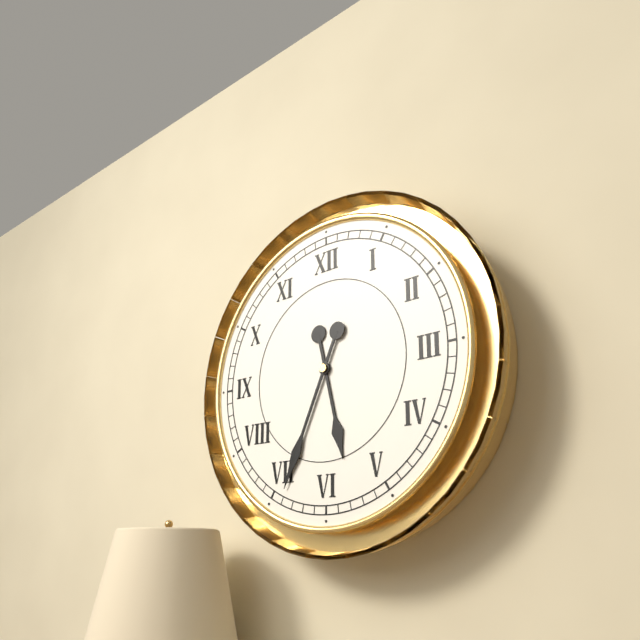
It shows 5:34
